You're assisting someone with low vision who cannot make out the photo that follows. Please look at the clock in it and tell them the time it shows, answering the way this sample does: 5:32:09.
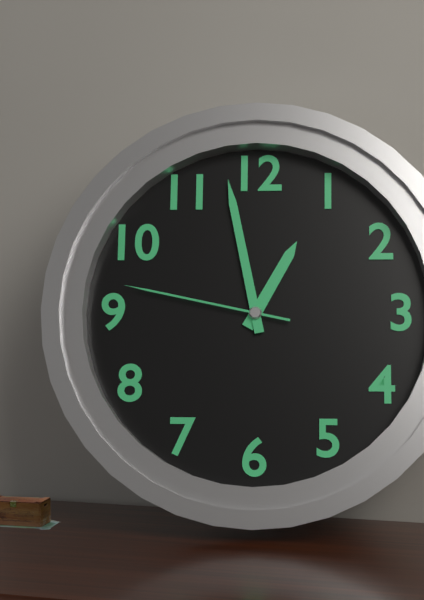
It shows 12:58:47
